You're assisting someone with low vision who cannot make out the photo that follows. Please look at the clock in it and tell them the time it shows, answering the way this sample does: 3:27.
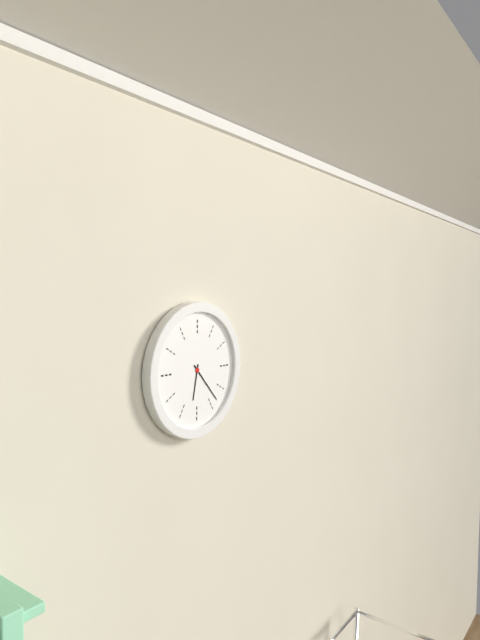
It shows 6:23
